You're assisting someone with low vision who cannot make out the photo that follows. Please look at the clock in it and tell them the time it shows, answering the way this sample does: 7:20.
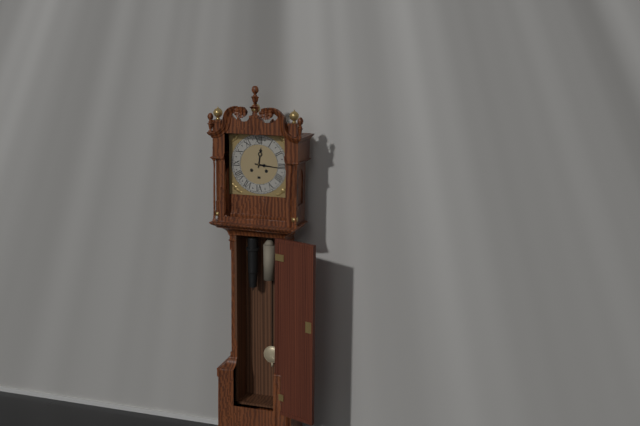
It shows 12:16
